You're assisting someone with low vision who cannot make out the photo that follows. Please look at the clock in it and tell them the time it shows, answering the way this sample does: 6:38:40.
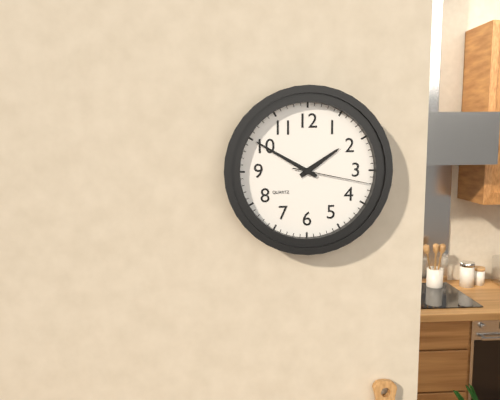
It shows 1:50:17
